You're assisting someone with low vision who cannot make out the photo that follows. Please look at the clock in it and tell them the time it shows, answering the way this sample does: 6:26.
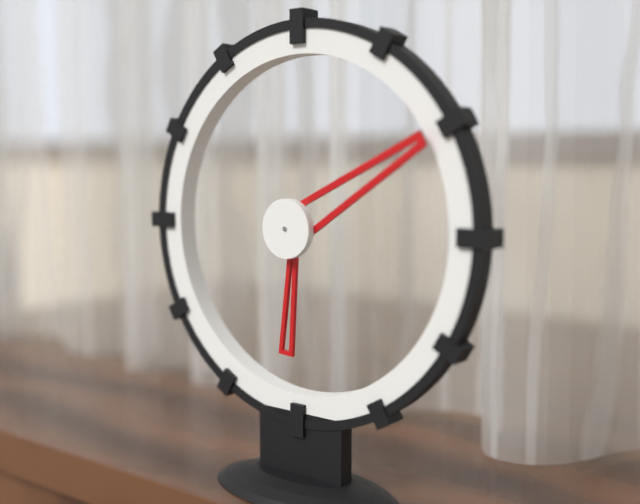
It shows 6:10
